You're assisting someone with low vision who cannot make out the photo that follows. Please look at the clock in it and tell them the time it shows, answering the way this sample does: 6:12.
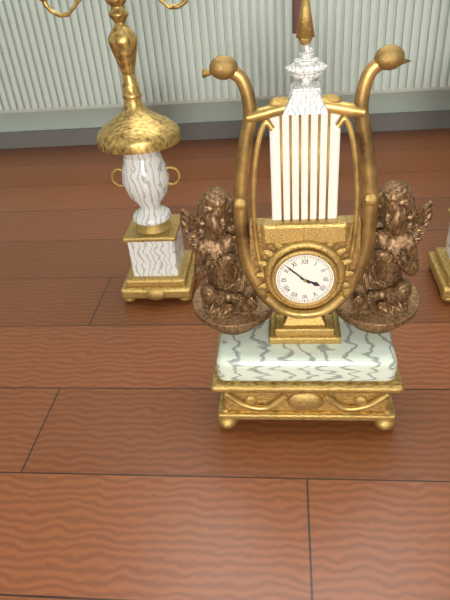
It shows 3:52
